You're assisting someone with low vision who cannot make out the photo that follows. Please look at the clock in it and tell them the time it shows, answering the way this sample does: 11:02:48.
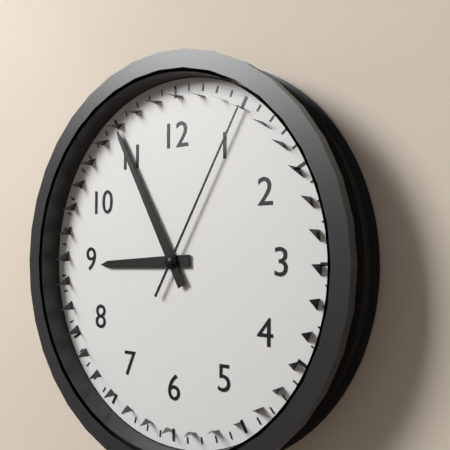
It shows 8:55:05
